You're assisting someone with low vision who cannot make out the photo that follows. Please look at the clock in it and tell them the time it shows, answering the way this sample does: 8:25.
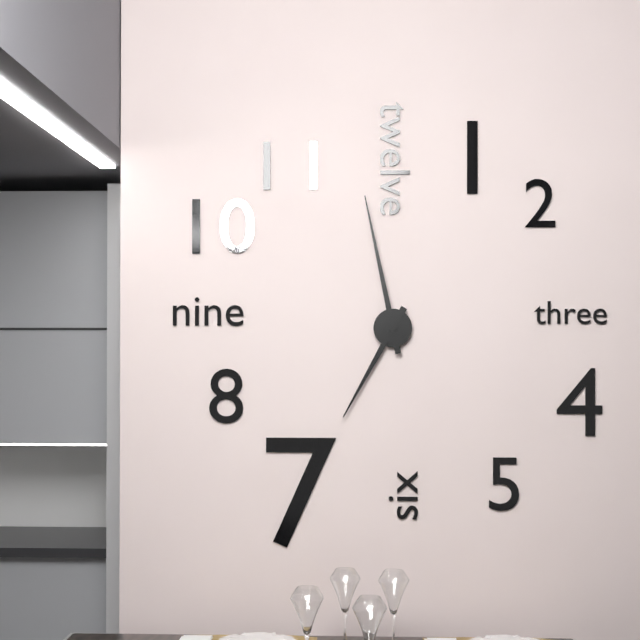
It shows 6:58
